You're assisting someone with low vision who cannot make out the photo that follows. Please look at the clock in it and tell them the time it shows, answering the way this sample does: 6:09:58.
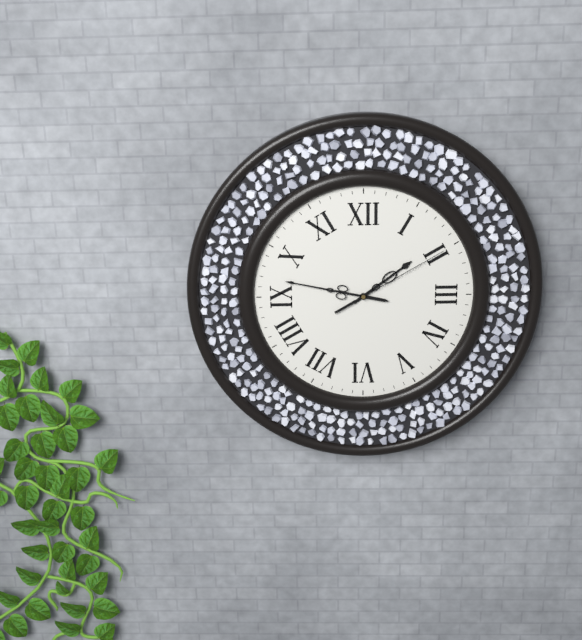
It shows 1:47:10
